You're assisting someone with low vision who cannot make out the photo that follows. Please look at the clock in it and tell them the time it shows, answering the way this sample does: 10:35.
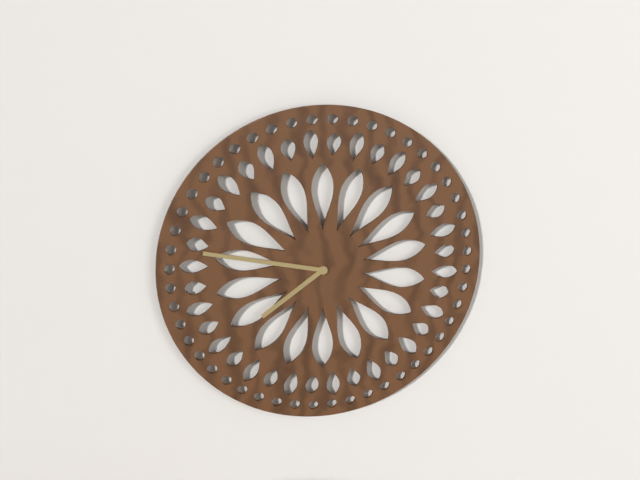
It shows 7:47
